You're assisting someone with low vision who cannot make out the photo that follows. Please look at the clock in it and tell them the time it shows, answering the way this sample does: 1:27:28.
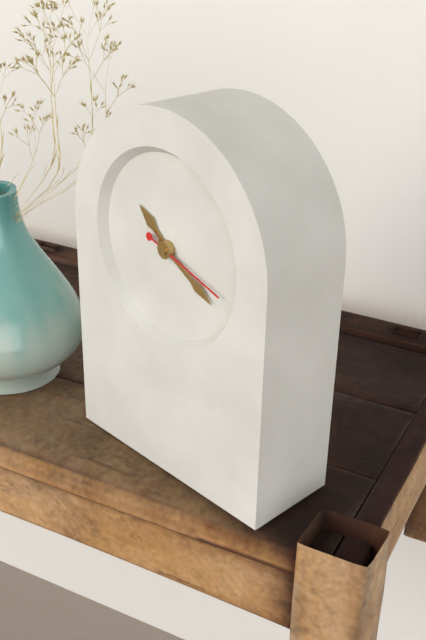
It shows 10:20:18
